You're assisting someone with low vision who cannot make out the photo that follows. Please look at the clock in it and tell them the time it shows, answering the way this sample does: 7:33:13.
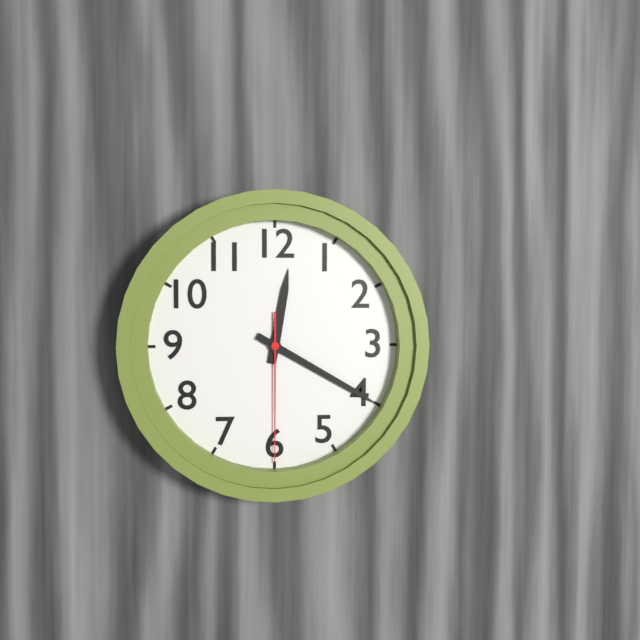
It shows 12:20:30
